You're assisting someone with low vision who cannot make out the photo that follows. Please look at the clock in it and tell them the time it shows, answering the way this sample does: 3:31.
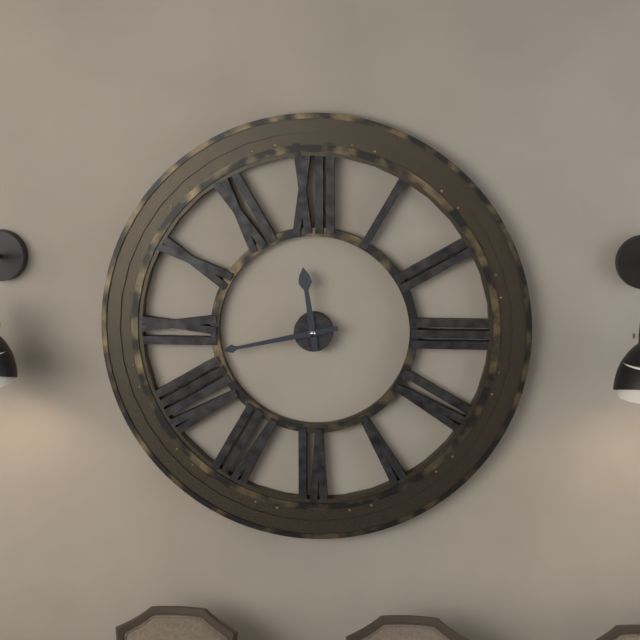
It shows 11:43
